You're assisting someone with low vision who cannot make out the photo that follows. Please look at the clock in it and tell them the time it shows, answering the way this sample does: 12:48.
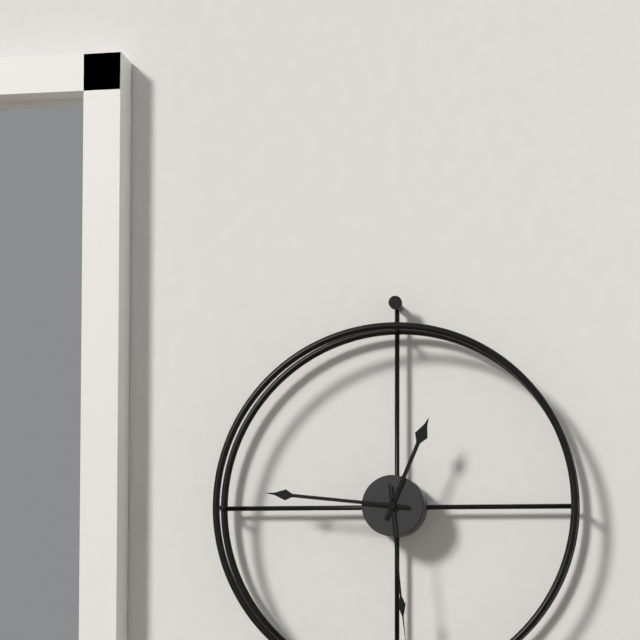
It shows 12:46
